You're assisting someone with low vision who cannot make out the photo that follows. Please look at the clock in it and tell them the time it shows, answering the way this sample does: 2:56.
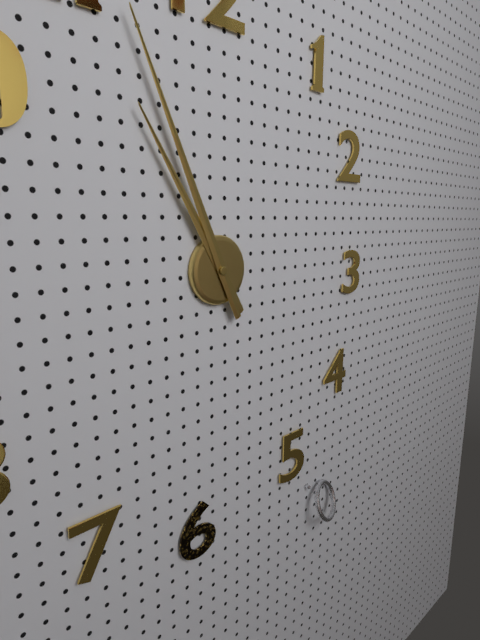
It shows 10:56
